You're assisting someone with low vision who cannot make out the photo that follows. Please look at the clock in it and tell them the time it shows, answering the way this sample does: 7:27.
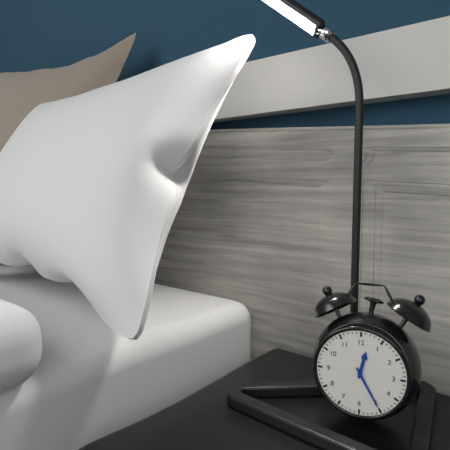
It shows 12:25
